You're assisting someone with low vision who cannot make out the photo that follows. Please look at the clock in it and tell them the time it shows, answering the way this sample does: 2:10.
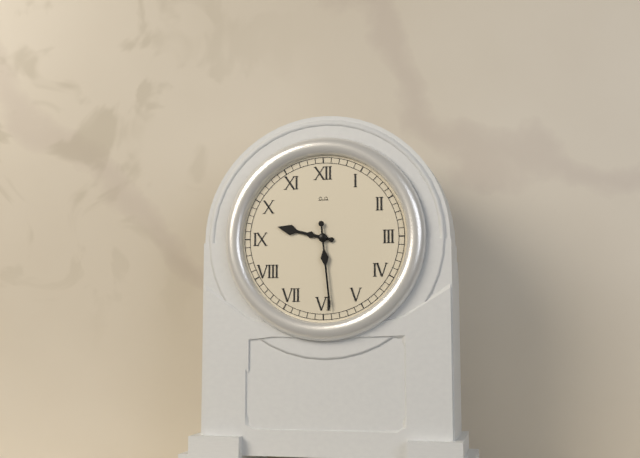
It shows 9:29
